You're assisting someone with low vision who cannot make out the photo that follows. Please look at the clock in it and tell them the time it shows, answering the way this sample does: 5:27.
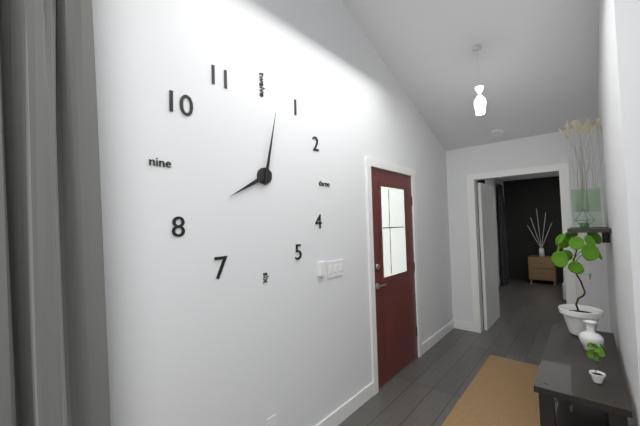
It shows 8:02
